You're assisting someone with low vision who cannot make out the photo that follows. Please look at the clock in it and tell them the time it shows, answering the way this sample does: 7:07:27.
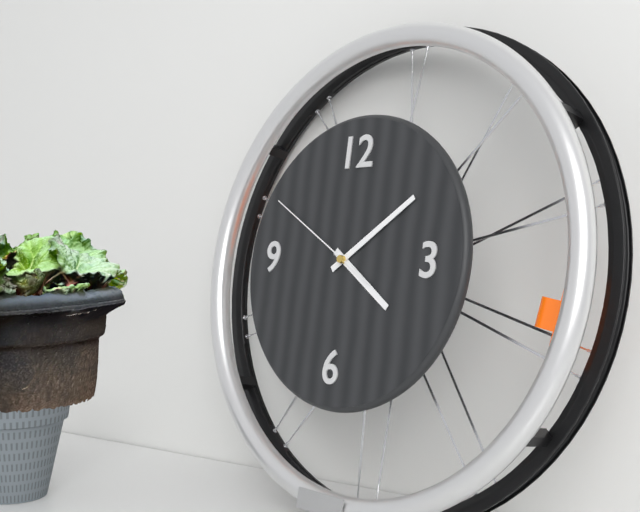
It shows 4:09:50
